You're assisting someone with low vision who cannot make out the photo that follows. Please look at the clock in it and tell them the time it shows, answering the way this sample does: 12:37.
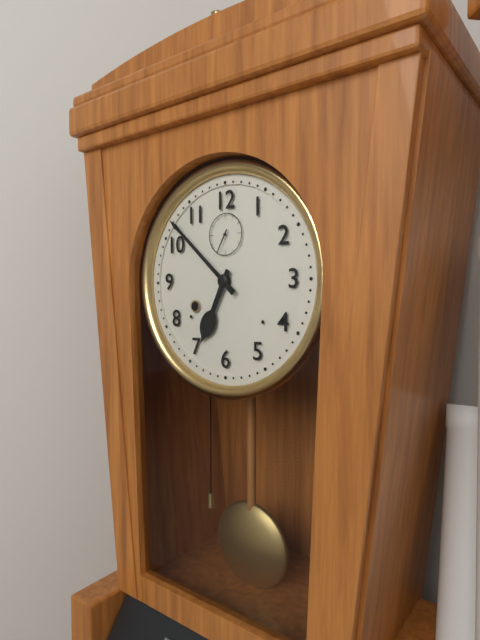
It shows 6:52
